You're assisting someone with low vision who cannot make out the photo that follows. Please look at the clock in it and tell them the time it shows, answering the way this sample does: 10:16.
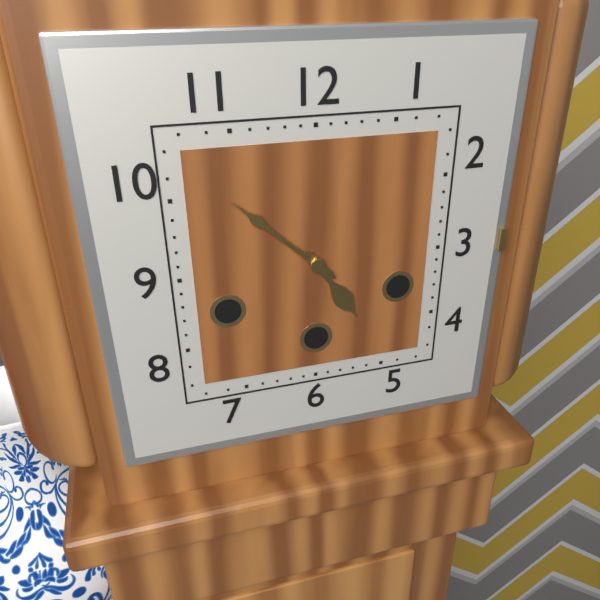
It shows 4:52
